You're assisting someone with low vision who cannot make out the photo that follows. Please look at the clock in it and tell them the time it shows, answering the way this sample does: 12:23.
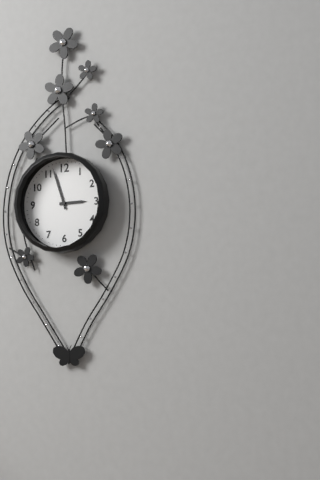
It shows 2:57
